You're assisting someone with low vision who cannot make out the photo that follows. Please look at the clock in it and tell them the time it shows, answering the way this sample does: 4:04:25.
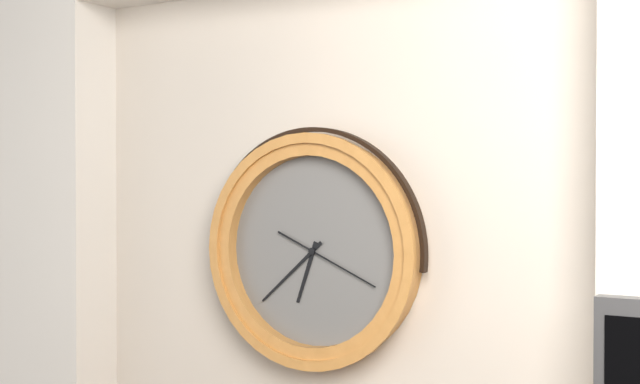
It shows 6:38:19
